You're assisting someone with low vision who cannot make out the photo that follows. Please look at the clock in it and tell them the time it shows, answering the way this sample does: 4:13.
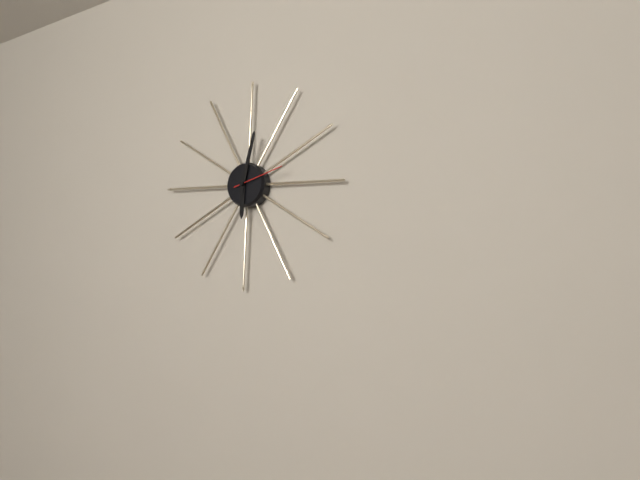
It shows 6:02
